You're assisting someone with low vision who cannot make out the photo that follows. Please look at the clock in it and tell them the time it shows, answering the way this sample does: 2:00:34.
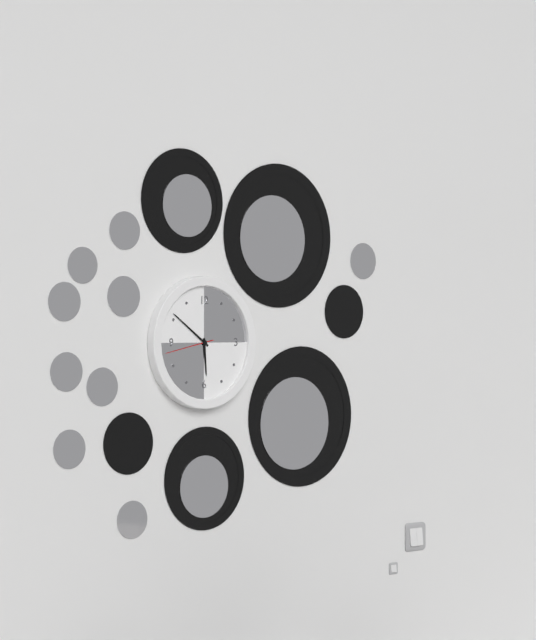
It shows 5:51:43
